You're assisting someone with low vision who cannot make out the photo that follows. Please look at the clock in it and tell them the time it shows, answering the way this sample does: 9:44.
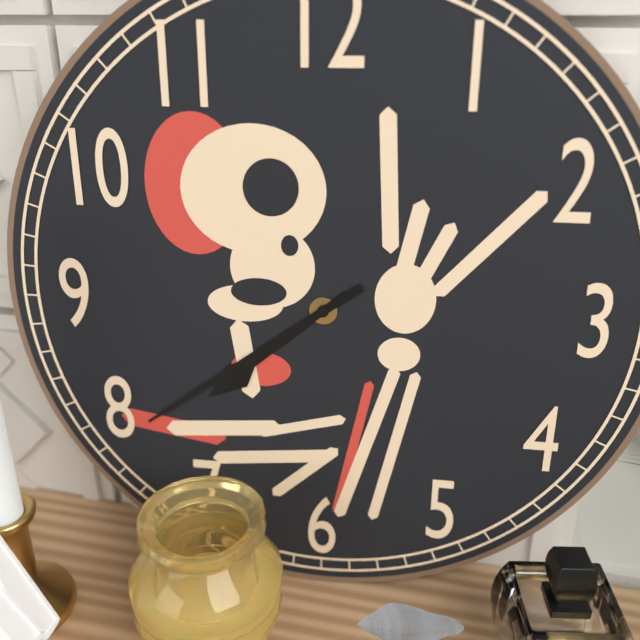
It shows 7:39
